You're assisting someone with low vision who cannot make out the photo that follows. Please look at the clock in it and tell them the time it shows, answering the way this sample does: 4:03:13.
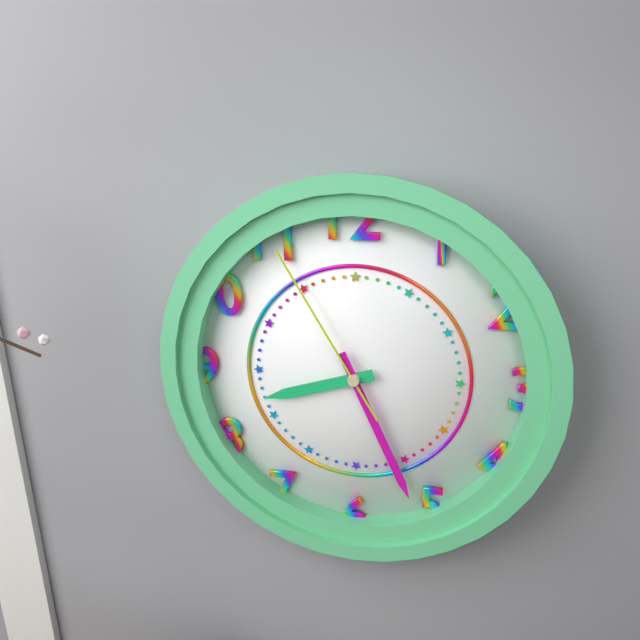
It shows 8:26:55
